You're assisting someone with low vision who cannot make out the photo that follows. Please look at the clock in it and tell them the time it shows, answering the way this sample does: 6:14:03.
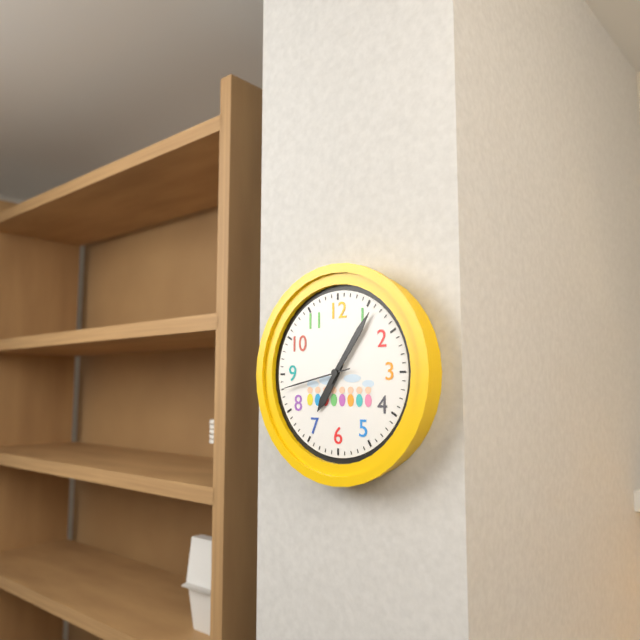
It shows 7:06:43
